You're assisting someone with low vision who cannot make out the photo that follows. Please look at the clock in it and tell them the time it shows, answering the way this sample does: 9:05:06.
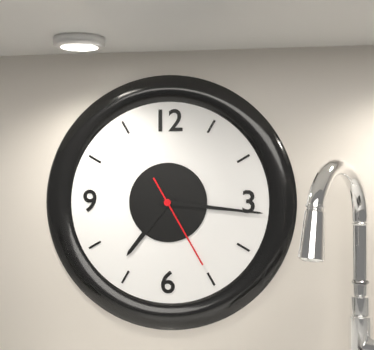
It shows 7:16:25
